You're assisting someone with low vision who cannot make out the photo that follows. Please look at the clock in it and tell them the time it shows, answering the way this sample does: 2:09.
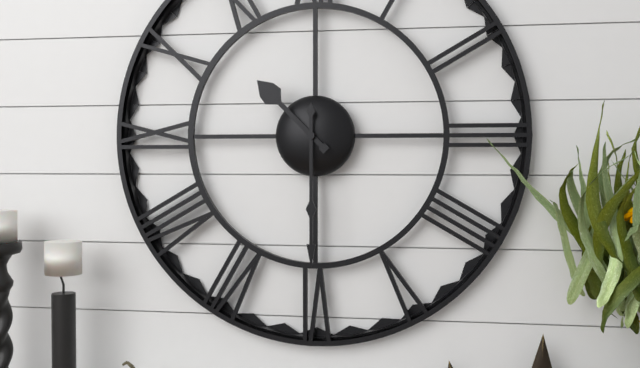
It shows 10:30
